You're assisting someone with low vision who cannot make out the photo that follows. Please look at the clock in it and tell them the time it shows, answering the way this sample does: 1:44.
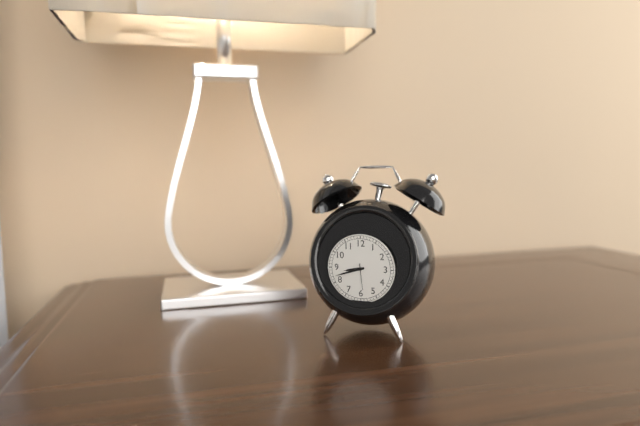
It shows 8:42
